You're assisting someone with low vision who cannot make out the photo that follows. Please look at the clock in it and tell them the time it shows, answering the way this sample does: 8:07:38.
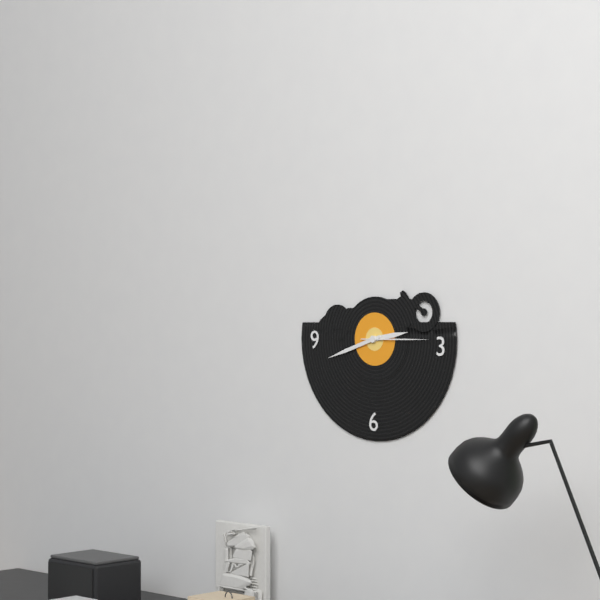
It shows 2:42:15
